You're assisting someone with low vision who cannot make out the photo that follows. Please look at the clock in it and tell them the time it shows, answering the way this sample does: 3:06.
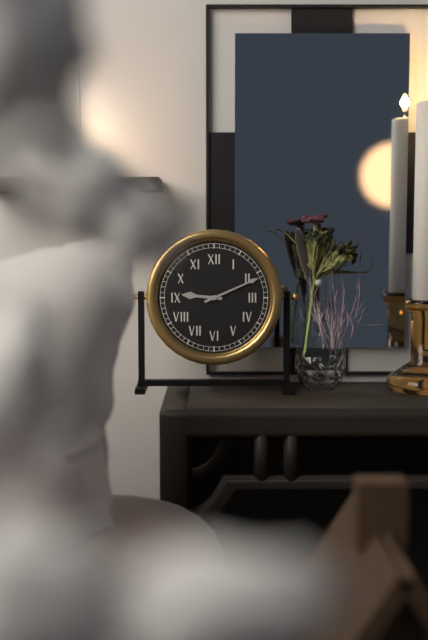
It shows 9:11
